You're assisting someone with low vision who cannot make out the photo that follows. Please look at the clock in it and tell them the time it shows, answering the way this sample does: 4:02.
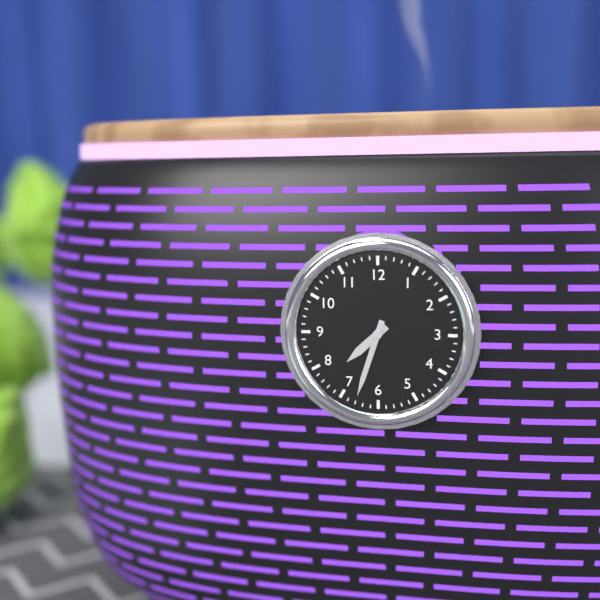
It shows 7:33
